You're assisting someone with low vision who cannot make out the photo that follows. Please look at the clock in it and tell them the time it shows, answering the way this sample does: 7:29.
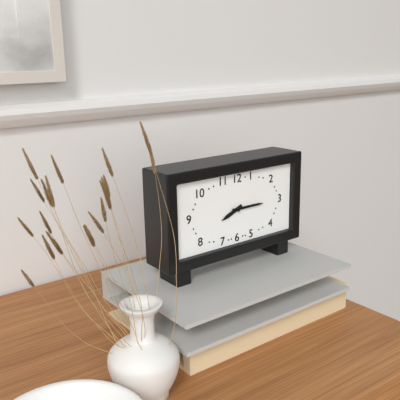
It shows 8:15
